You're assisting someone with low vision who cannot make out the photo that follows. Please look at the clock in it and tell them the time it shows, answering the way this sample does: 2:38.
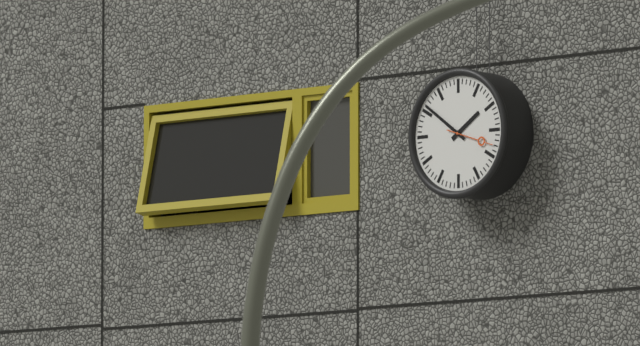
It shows 1:51
